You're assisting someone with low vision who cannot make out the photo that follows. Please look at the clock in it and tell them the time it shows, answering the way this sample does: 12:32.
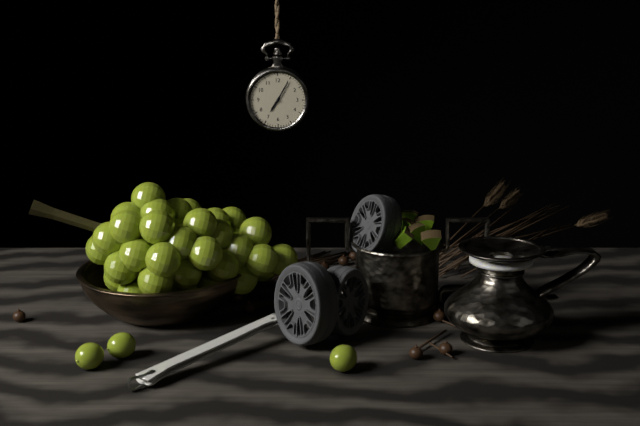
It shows 7:05
